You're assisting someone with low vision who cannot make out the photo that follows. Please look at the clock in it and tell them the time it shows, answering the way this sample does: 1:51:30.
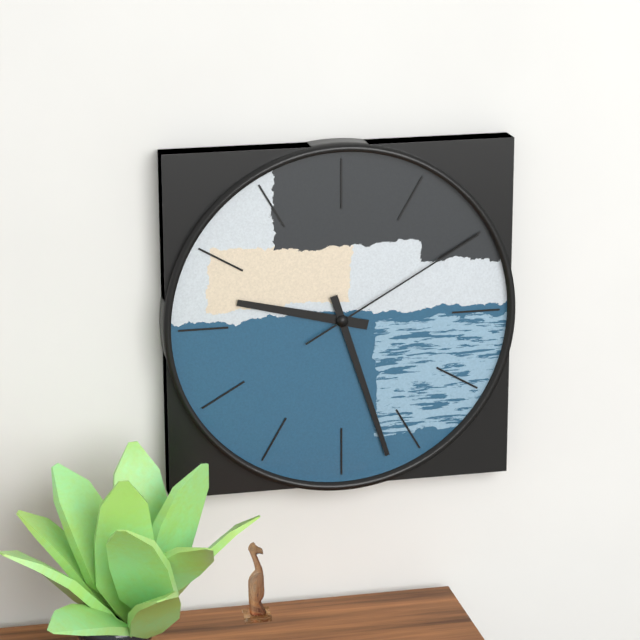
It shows 9:27:10
